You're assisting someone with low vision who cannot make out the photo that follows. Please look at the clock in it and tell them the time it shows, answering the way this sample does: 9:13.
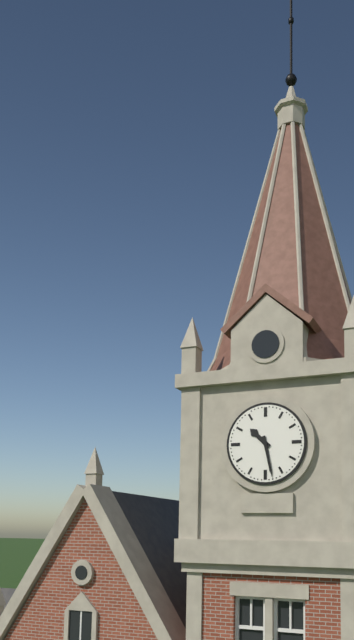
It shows 10:28
